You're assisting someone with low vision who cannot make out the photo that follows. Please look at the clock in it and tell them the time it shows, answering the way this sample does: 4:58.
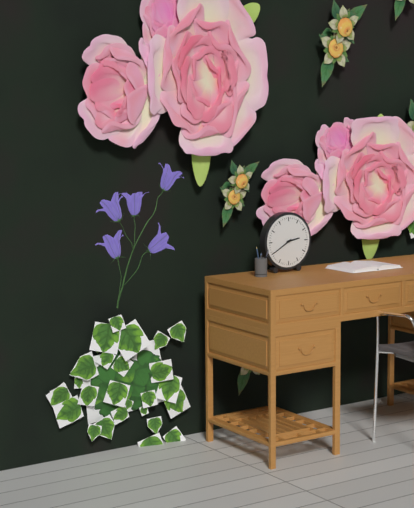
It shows 2:40
